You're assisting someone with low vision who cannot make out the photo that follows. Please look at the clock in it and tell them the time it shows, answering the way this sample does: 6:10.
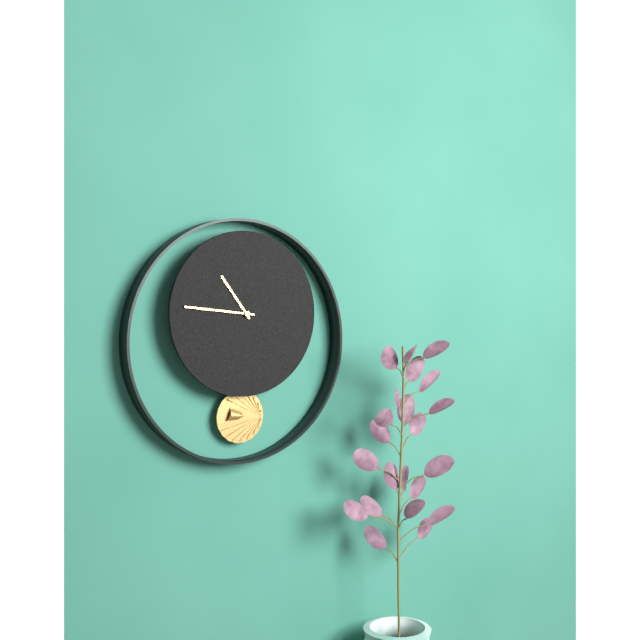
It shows 10:46
